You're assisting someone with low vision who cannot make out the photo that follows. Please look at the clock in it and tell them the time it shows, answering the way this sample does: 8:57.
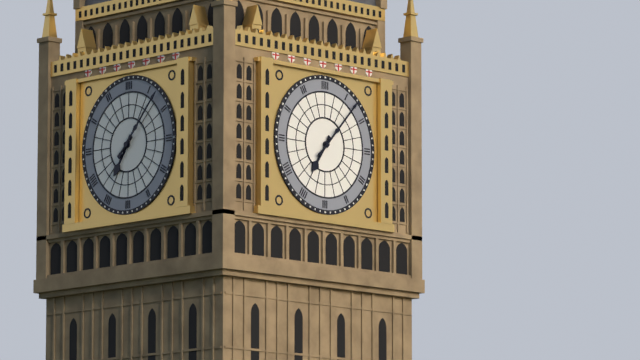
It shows 7:07
